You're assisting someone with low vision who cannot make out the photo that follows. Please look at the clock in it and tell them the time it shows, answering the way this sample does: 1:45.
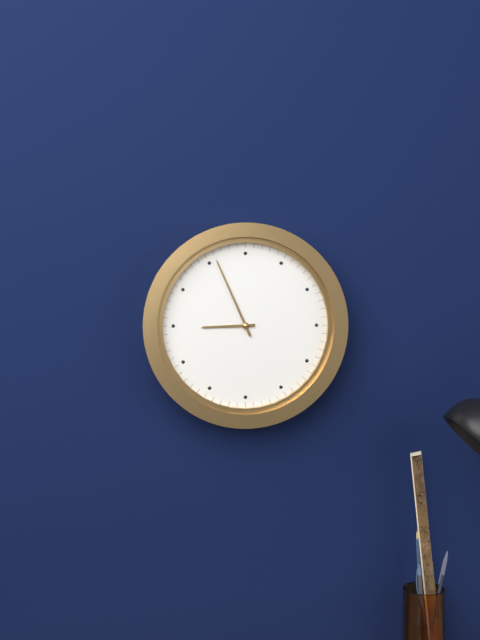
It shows 8:56
